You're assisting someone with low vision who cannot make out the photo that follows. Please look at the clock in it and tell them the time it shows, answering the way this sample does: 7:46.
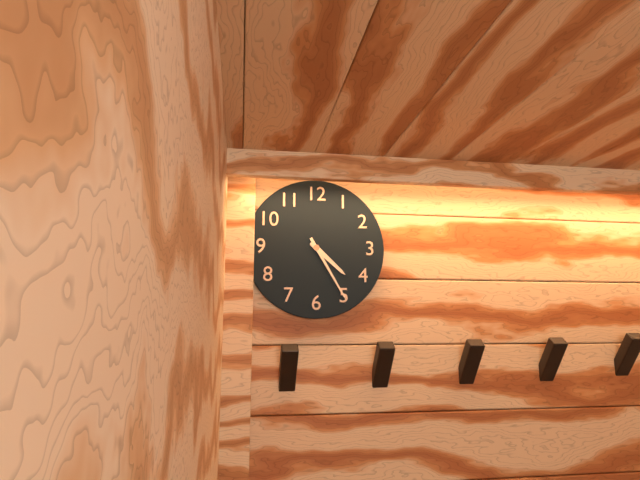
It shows 4:25
